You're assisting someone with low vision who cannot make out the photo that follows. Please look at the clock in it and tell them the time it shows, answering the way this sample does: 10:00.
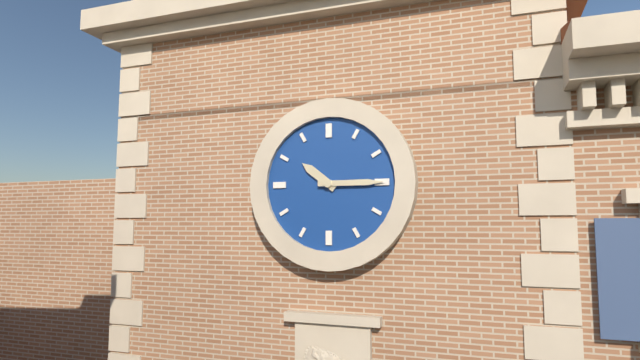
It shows 10:15
